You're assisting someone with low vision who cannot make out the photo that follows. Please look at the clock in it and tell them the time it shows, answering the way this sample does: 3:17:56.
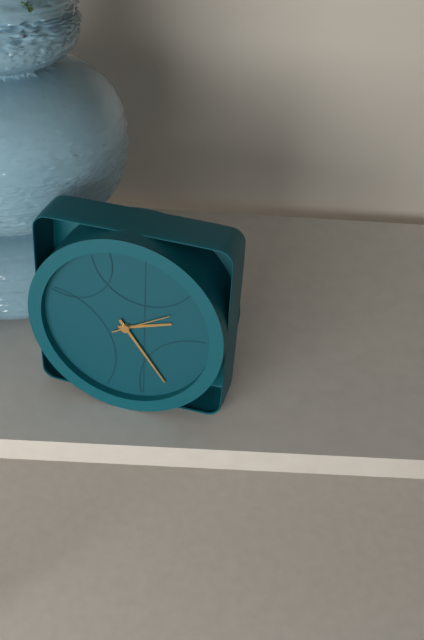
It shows 2:24:10
